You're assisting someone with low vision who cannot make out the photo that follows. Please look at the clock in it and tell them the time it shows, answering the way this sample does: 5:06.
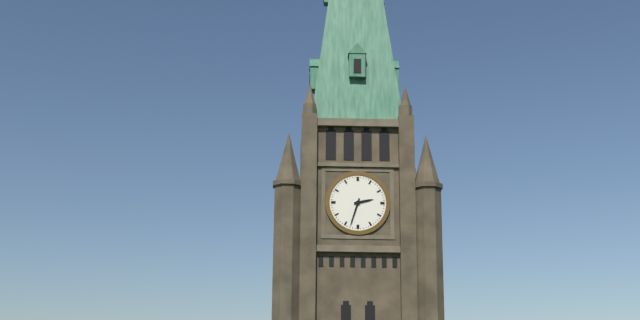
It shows 2:33
